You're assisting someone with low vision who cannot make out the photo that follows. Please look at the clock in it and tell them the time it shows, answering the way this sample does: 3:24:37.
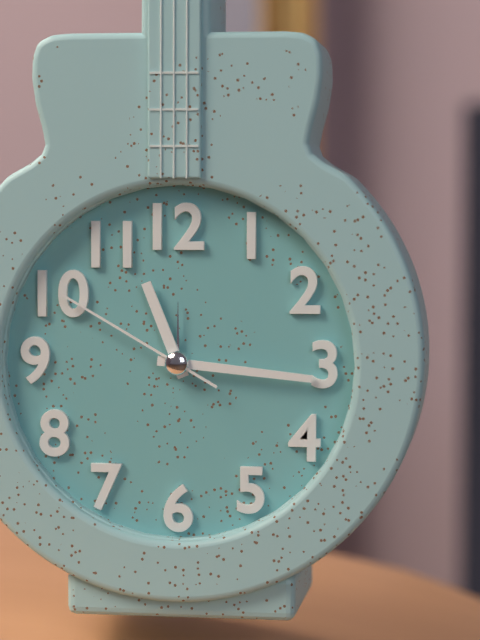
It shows 11:16:50
